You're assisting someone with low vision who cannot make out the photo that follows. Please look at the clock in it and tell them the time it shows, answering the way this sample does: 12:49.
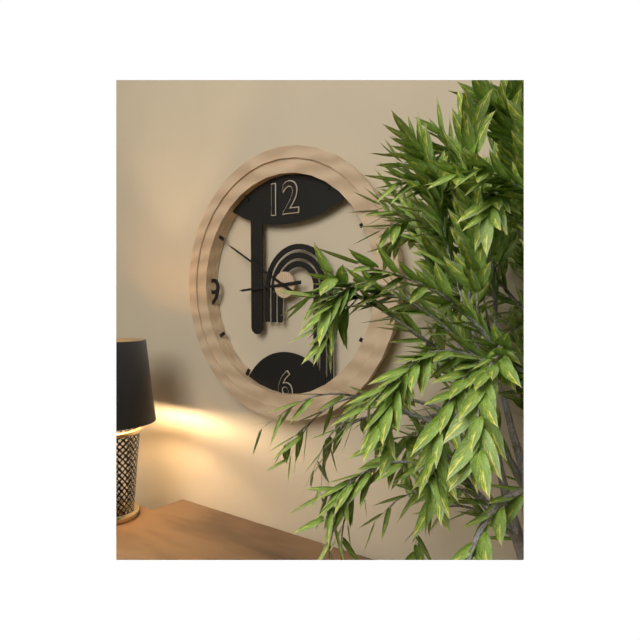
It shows 8:50
